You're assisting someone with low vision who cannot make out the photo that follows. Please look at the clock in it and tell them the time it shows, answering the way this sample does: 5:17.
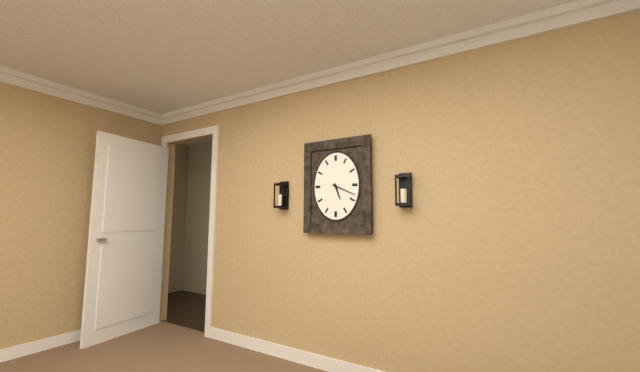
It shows 5:19
